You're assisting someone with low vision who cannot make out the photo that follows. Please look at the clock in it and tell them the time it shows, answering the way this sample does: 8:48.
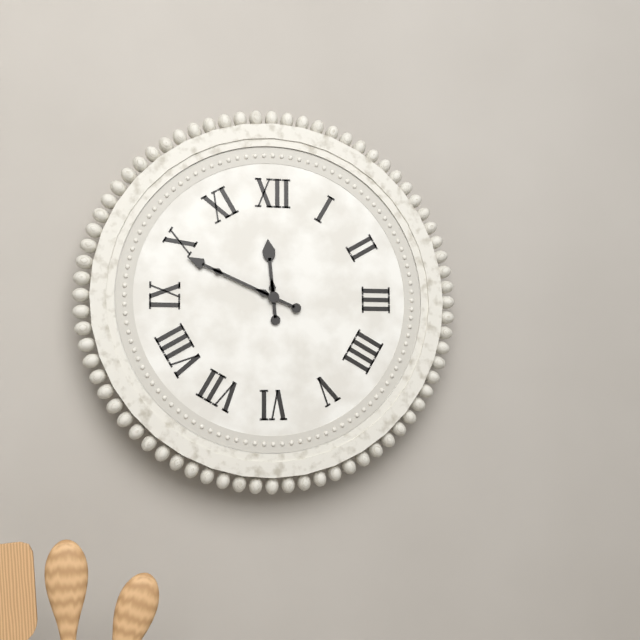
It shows 11:49
